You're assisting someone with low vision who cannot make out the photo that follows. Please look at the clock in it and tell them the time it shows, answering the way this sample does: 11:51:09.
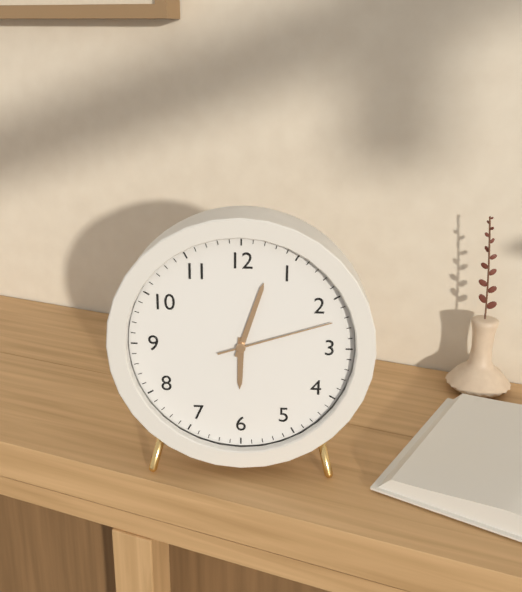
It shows 6:03:12
